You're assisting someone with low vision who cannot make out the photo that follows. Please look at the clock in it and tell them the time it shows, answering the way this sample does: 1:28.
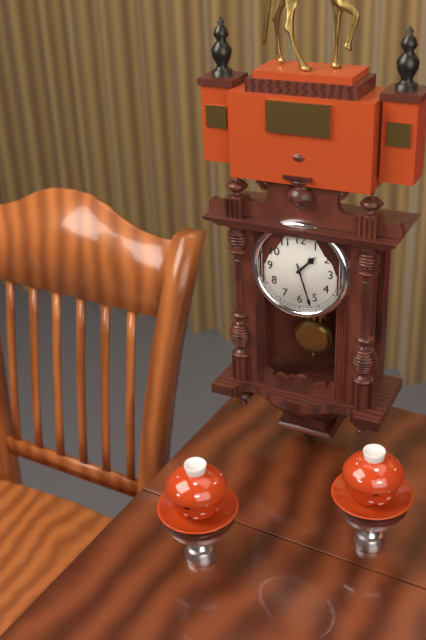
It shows 1:27
